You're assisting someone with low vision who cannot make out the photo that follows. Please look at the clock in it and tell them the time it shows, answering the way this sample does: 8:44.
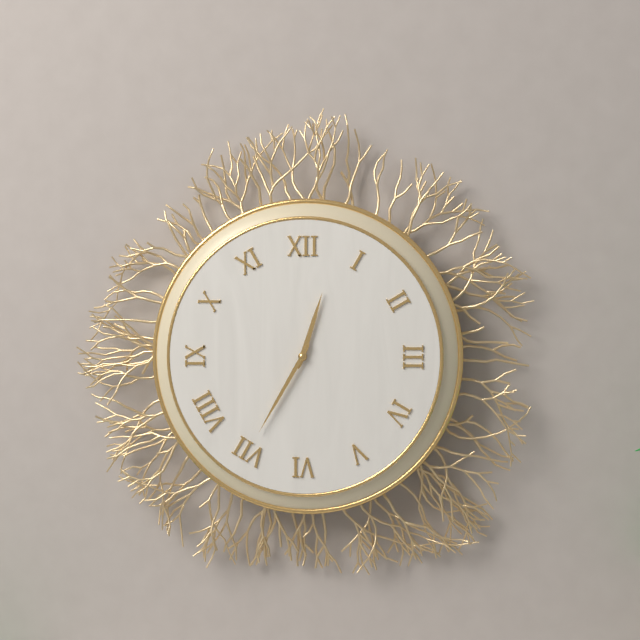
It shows 12:35
